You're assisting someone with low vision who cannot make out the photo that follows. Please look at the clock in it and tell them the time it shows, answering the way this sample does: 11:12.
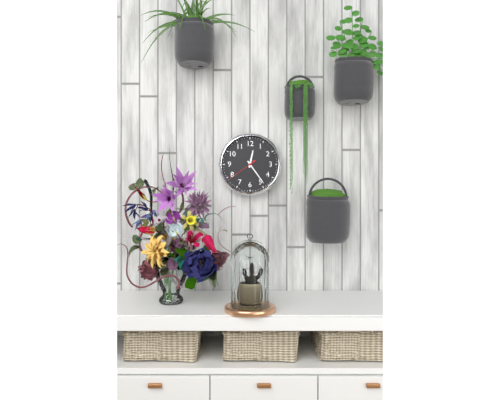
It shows 12:24
